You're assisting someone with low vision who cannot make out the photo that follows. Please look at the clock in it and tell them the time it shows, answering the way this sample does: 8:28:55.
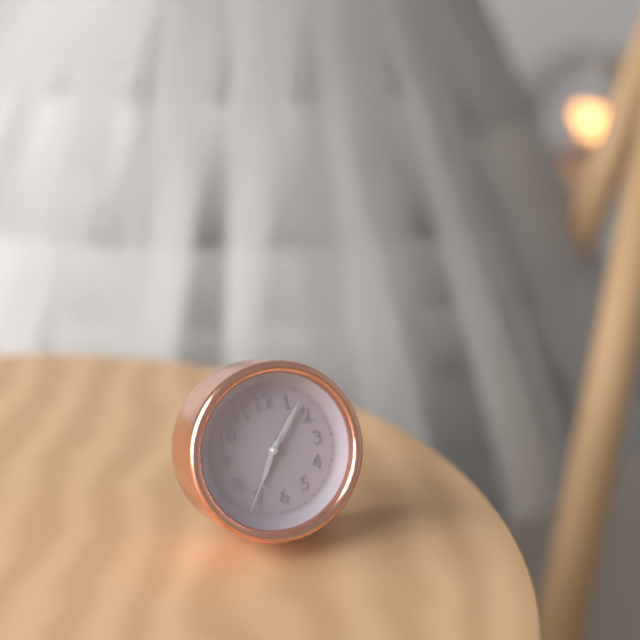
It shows 7:07:36
